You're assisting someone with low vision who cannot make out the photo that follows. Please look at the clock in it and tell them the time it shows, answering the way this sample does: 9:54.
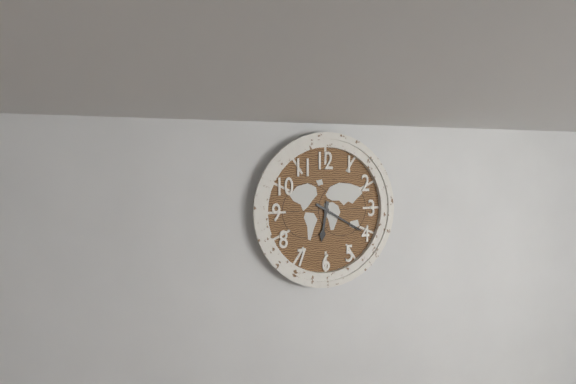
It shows 6:20
